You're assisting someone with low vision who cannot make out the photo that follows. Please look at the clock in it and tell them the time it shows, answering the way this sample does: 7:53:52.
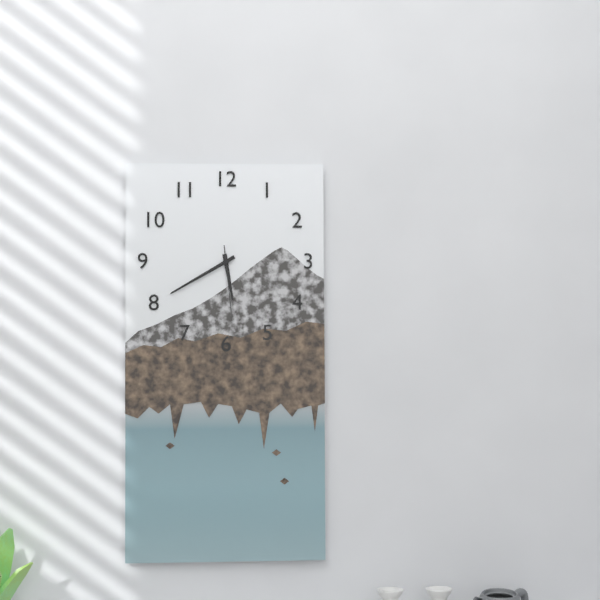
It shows 5:40:29
